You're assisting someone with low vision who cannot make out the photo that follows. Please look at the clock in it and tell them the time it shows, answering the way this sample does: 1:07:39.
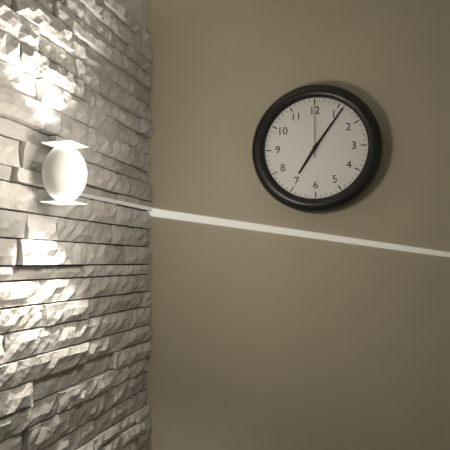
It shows 7:06:00
